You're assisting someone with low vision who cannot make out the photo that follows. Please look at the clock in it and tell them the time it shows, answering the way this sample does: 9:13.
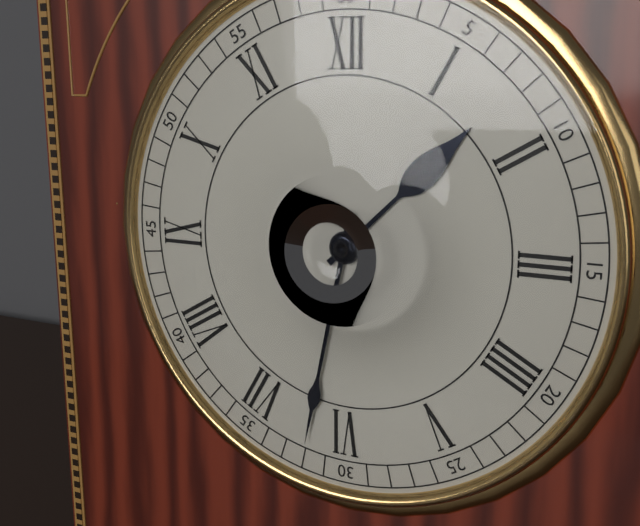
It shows 1:32
